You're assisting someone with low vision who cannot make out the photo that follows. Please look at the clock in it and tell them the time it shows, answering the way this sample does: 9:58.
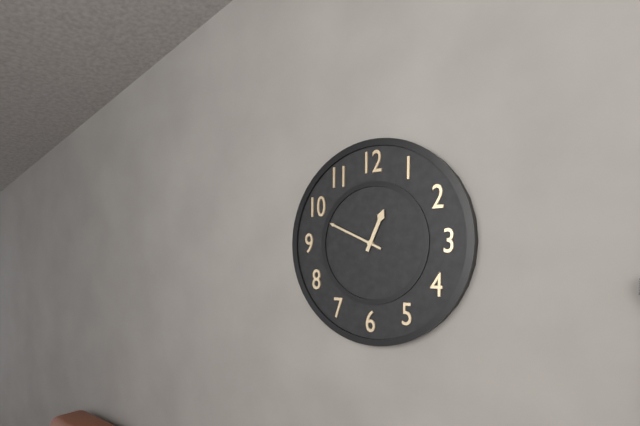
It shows 12:49
